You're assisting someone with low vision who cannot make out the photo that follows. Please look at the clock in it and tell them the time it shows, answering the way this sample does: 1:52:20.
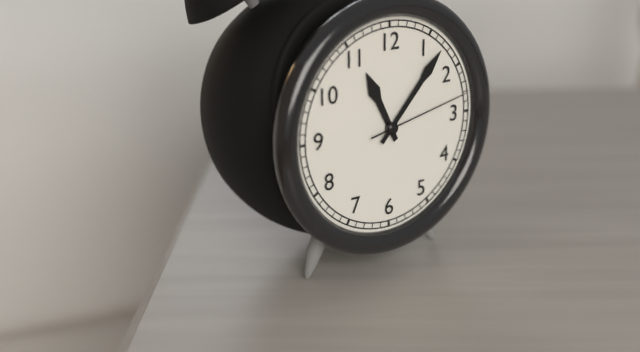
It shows 11:07:13
